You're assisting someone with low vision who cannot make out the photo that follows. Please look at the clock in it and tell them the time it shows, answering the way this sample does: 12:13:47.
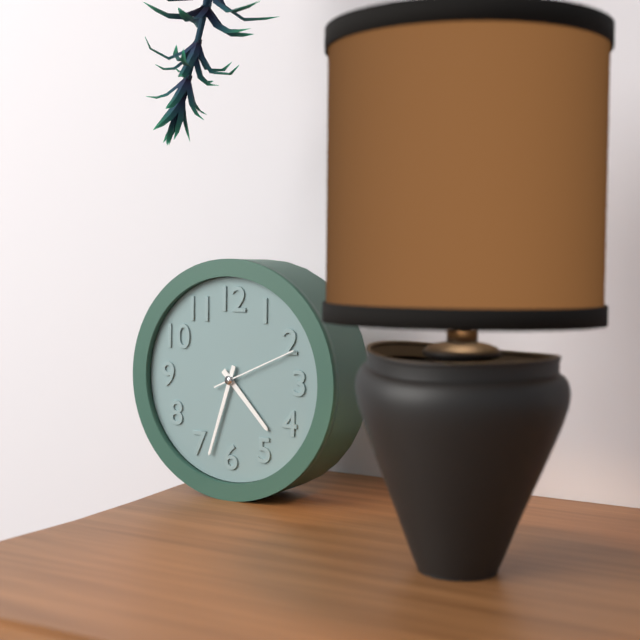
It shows 4:33:11
